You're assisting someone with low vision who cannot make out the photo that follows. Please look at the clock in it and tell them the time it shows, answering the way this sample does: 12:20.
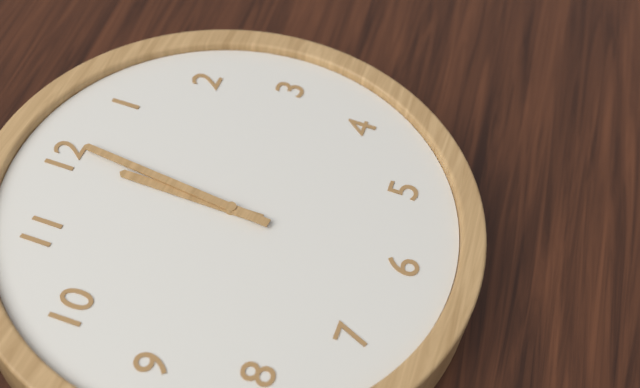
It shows 12:01
